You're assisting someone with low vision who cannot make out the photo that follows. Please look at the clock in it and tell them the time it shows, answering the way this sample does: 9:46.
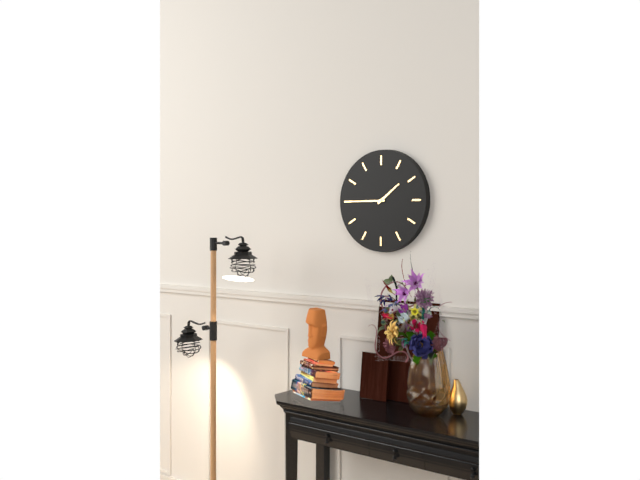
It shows 1:45
